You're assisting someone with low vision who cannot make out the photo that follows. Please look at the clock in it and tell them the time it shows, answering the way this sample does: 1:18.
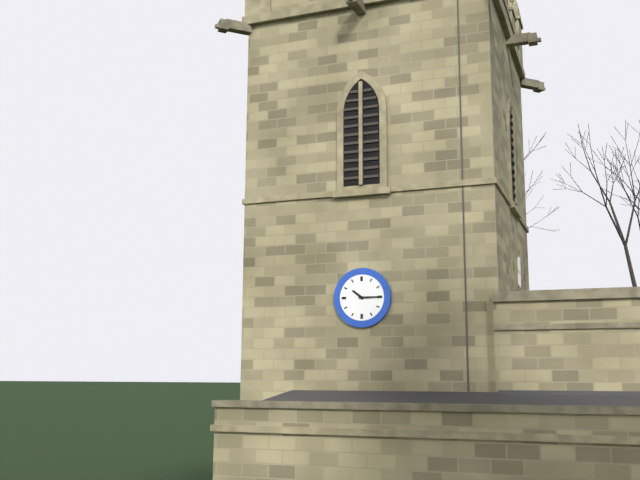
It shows 10:15
